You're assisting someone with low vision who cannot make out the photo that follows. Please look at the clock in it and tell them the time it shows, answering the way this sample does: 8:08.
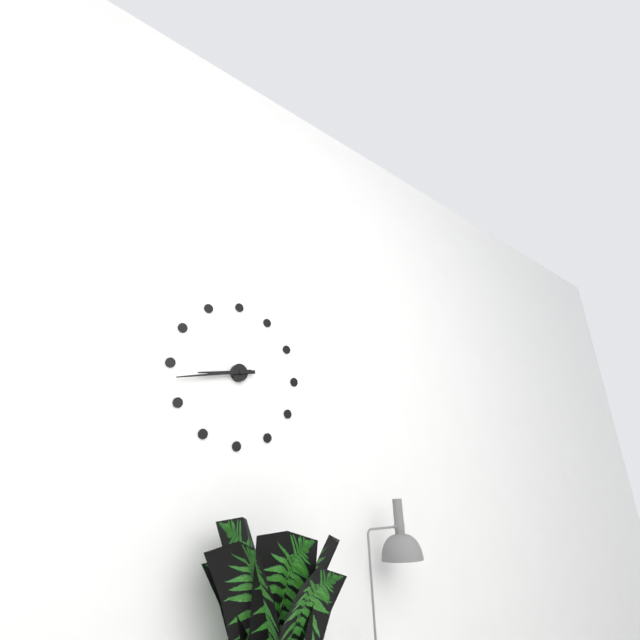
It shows 8:43
